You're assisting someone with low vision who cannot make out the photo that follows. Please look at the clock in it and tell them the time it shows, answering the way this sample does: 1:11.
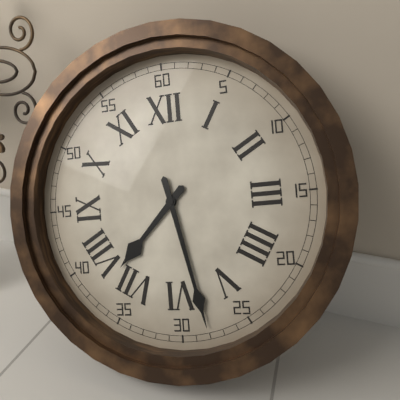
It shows 7:28
